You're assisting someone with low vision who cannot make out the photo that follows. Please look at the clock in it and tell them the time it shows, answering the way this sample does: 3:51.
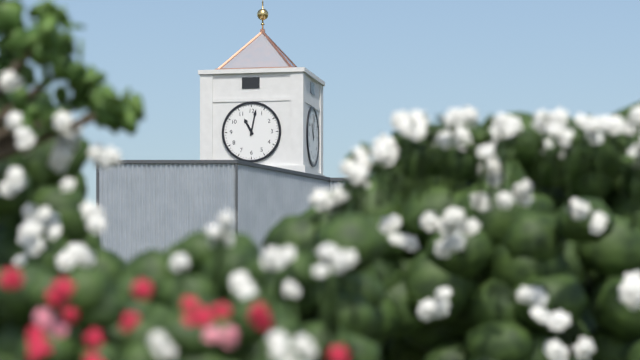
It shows 11:02
